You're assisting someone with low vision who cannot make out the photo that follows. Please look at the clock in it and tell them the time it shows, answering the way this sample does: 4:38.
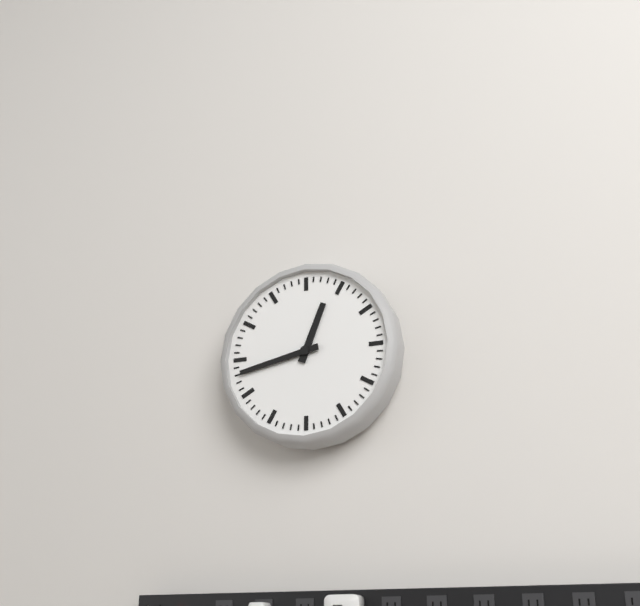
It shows 12:43
